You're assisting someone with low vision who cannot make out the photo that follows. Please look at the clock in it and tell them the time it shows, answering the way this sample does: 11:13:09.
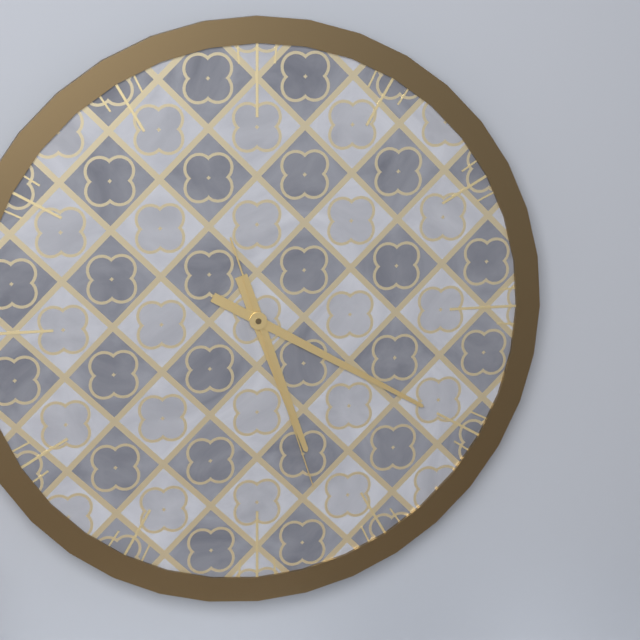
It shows 5:20:27
